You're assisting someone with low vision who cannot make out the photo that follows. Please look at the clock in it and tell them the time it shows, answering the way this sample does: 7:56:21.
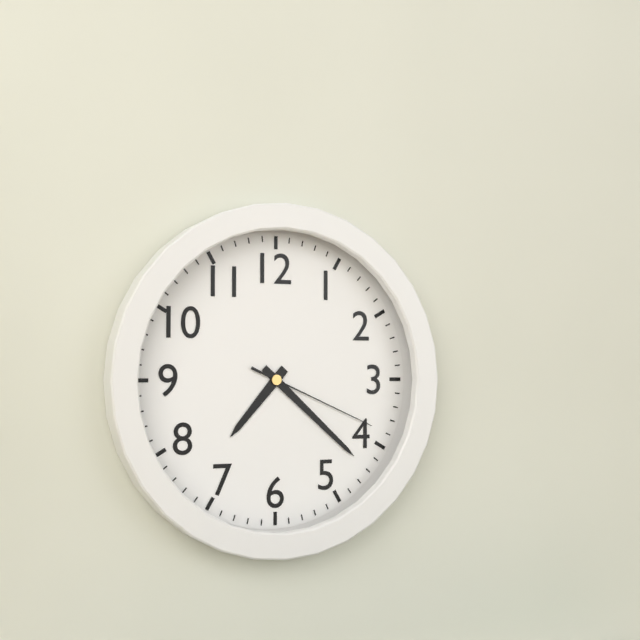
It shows 7:22:19
